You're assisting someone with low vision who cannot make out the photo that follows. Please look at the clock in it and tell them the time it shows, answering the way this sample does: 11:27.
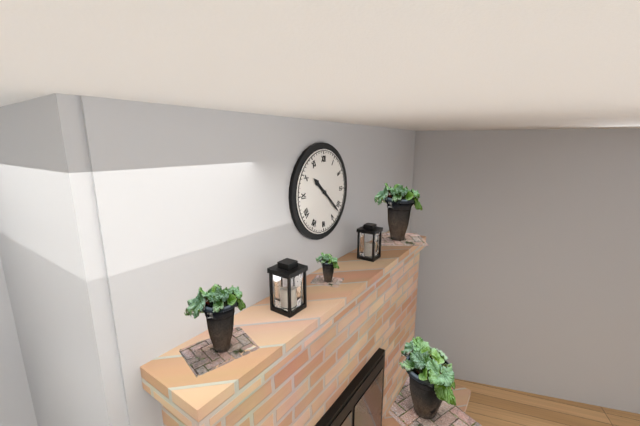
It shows 10:22
